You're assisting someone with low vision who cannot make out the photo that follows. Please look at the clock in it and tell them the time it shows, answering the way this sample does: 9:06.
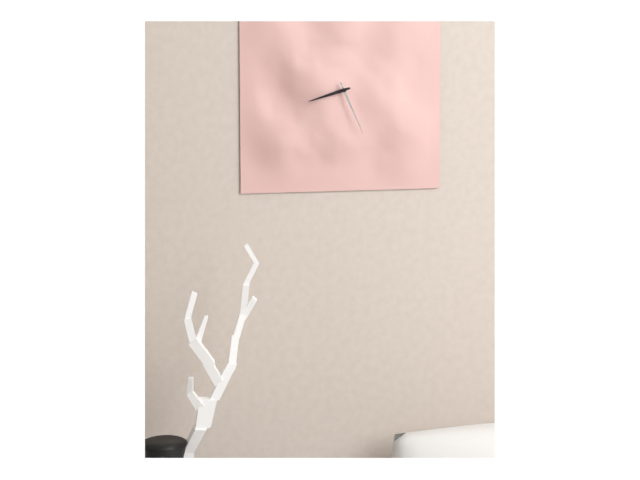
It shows 8:26
